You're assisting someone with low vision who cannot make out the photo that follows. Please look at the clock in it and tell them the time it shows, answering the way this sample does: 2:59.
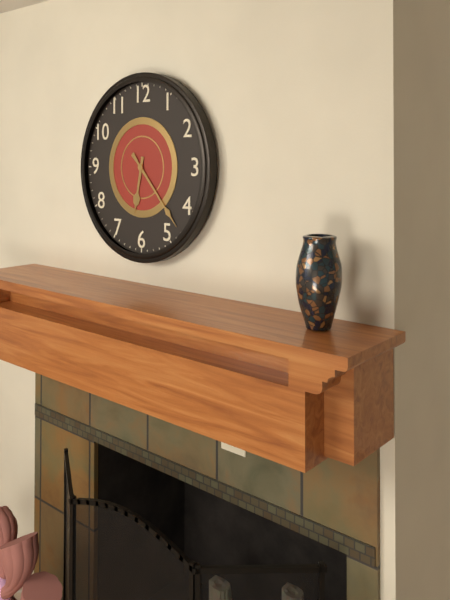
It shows 6:23
